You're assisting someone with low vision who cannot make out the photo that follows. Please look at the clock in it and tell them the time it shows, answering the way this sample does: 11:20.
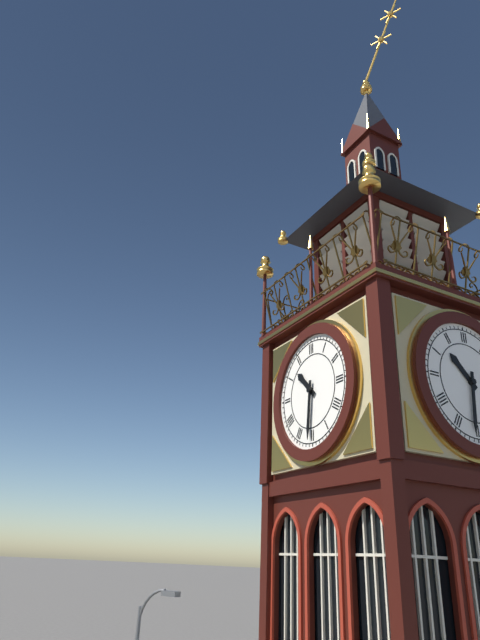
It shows 10:31
